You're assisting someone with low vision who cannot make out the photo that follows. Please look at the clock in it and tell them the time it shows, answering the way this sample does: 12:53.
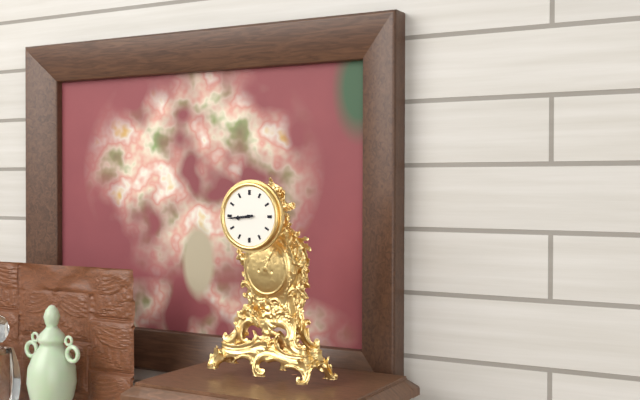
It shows 8:44
